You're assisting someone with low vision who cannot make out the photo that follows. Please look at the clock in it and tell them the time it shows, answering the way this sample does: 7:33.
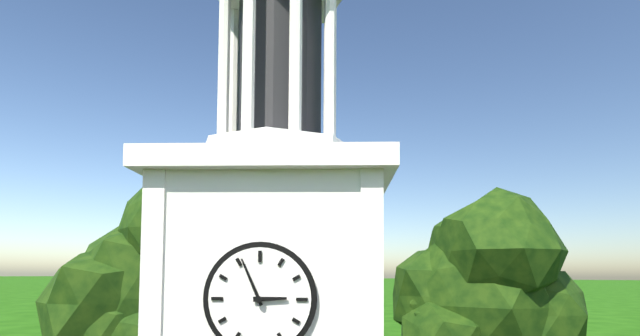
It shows 2:56
